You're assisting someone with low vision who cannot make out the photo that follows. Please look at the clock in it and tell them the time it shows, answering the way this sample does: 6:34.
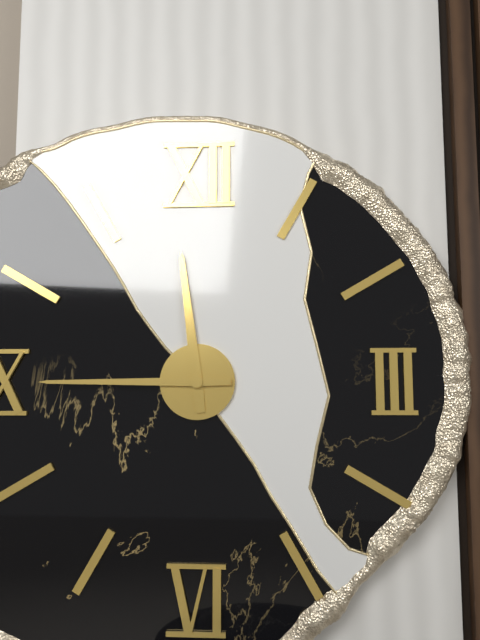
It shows 11:45
